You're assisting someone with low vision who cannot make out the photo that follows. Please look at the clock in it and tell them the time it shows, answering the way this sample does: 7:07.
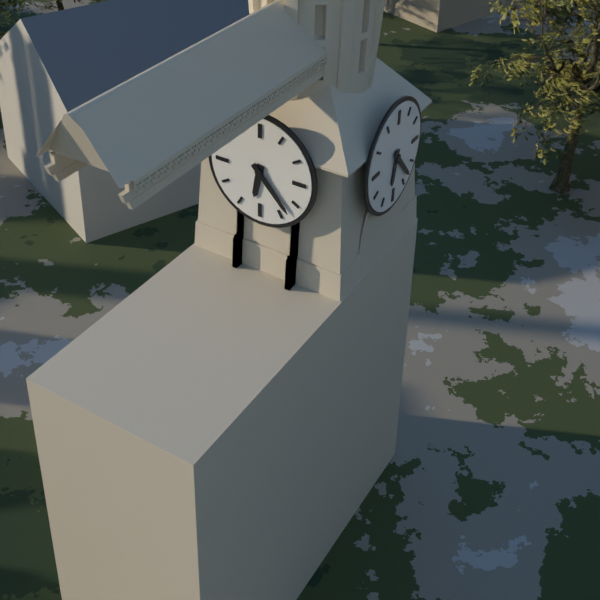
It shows 6:23
